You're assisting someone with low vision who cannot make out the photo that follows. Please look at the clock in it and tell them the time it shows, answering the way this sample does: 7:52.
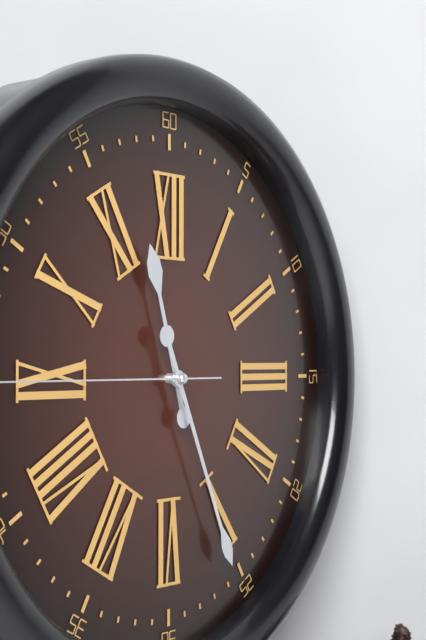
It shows 11:26
